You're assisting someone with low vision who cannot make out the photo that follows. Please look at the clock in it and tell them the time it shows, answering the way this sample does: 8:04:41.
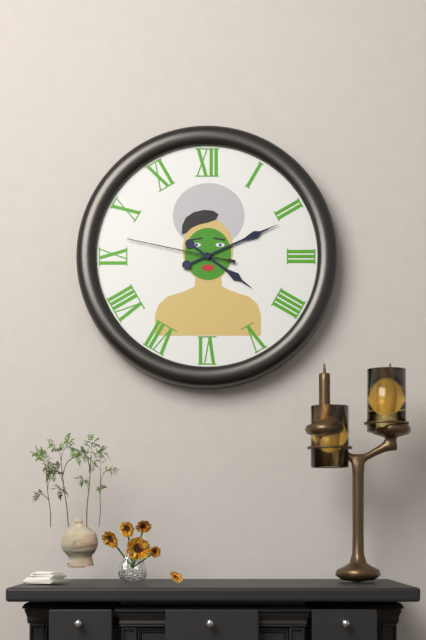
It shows 4:11:47
